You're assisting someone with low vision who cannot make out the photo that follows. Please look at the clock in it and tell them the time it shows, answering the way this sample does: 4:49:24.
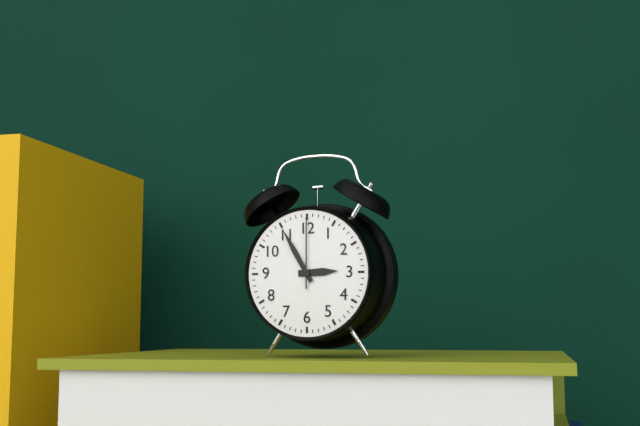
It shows 2:55:00
